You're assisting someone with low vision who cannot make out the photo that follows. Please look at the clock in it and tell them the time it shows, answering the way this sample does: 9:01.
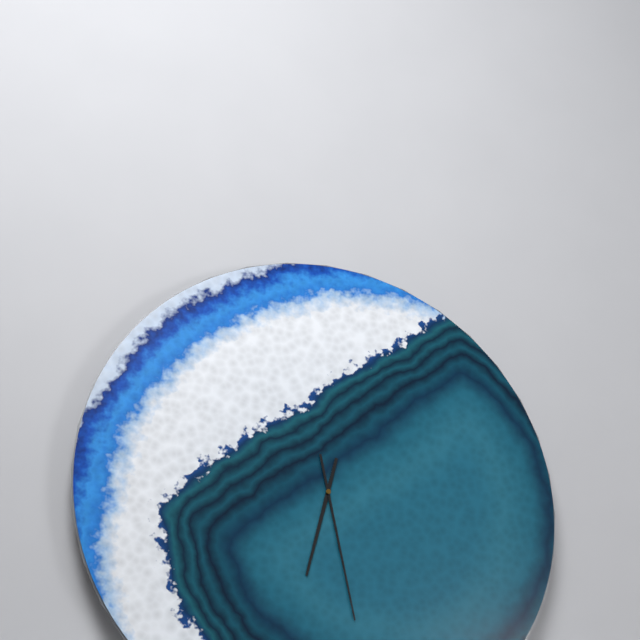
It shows 6:28
